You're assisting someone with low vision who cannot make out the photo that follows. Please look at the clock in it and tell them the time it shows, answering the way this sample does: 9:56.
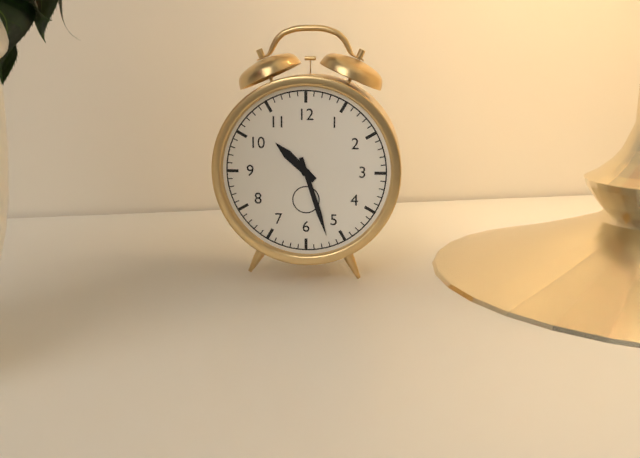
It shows 10:27
